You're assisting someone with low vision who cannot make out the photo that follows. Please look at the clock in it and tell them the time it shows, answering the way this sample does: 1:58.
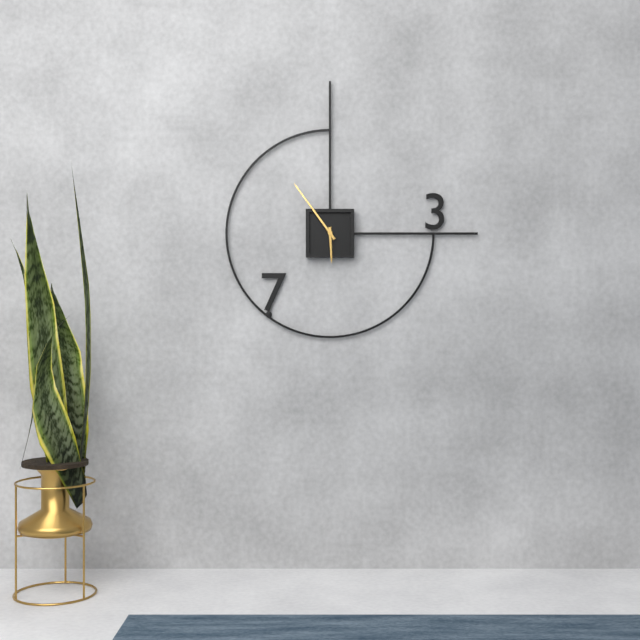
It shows 5:54
